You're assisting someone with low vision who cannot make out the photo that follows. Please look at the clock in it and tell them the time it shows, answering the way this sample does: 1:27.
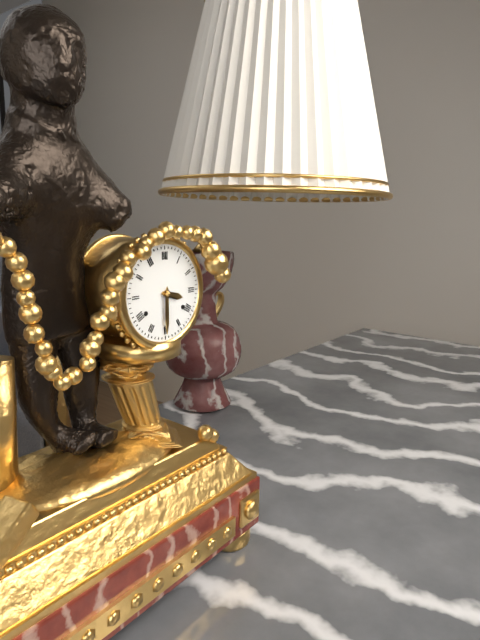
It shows 3:30
